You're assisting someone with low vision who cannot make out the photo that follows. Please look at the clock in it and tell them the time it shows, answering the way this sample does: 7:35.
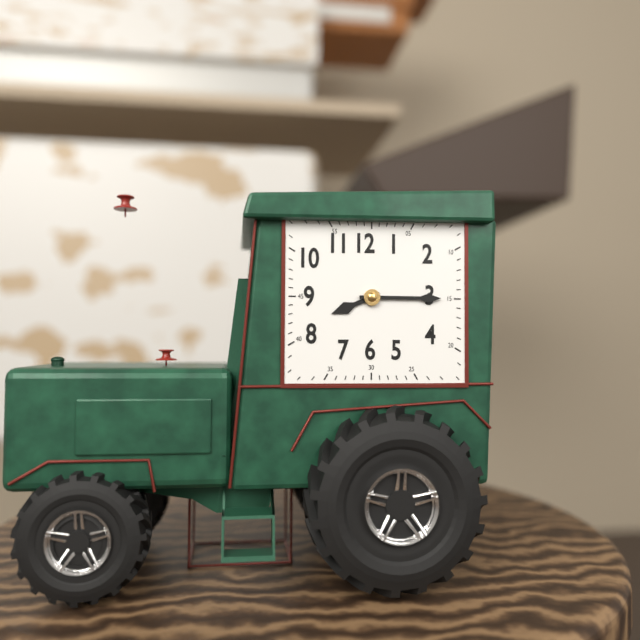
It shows 8:15
